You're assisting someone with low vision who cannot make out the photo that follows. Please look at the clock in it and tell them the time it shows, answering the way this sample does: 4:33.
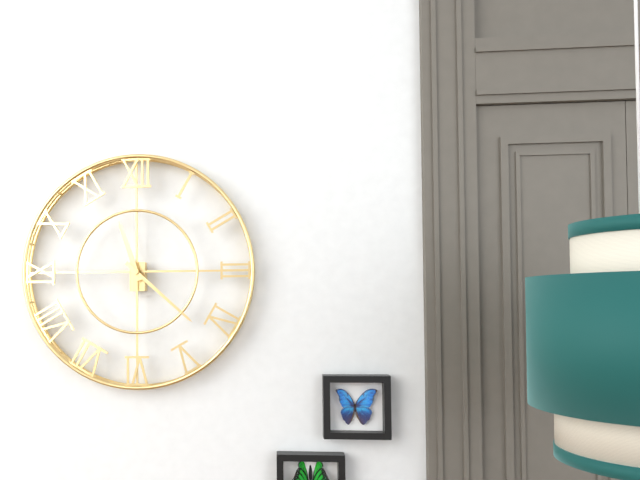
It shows 11:22
